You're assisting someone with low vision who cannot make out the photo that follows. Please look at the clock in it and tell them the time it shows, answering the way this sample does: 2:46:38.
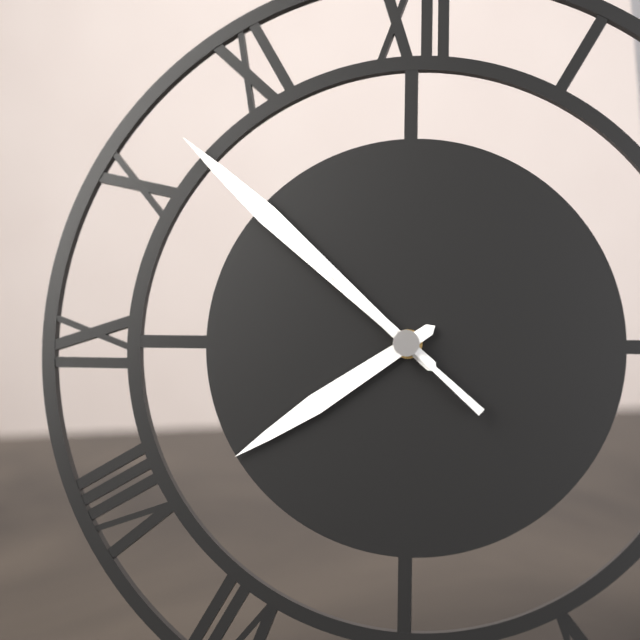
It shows 7:52:52
